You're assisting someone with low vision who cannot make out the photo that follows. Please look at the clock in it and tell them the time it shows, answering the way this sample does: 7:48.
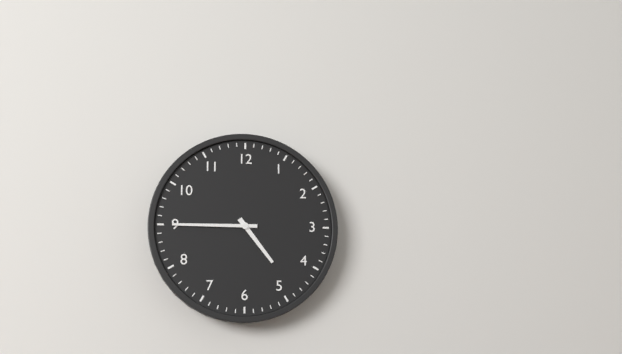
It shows 4:45
